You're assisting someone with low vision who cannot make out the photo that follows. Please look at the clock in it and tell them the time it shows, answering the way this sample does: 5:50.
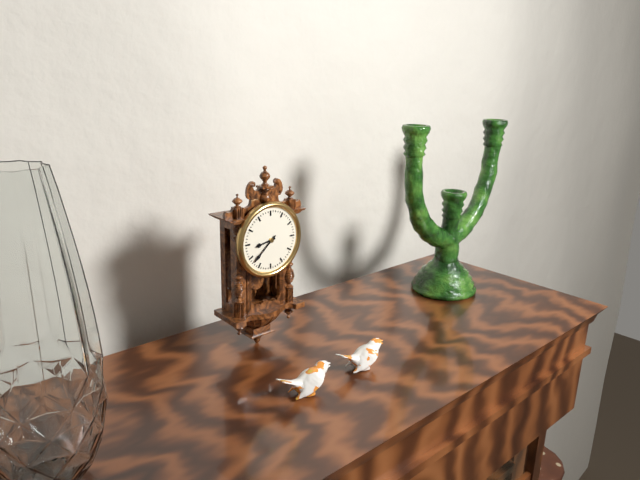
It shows 8:38
